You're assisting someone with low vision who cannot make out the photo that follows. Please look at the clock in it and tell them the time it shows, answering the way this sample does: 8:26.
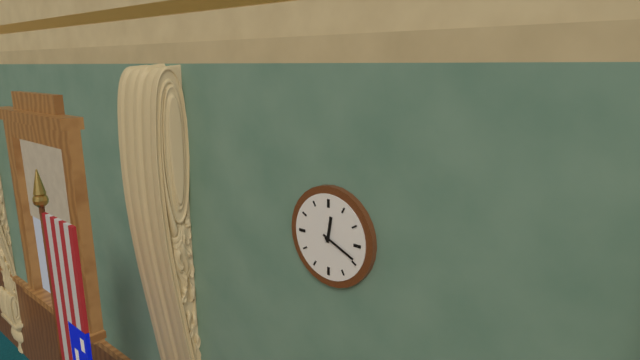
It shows 12:19
